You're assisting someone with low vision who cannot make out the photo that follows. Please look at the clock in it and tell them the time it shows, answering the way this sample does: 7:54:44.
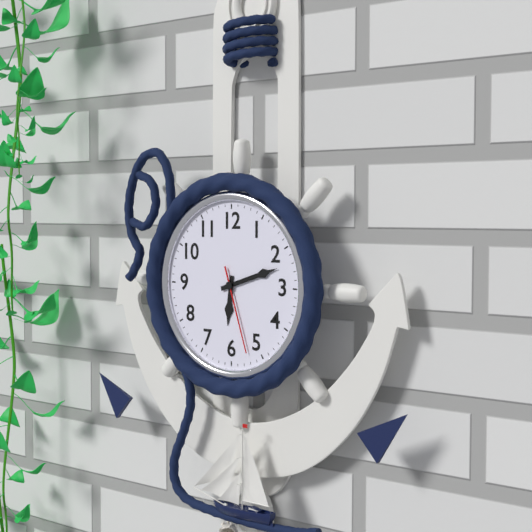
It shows 6:12:27
